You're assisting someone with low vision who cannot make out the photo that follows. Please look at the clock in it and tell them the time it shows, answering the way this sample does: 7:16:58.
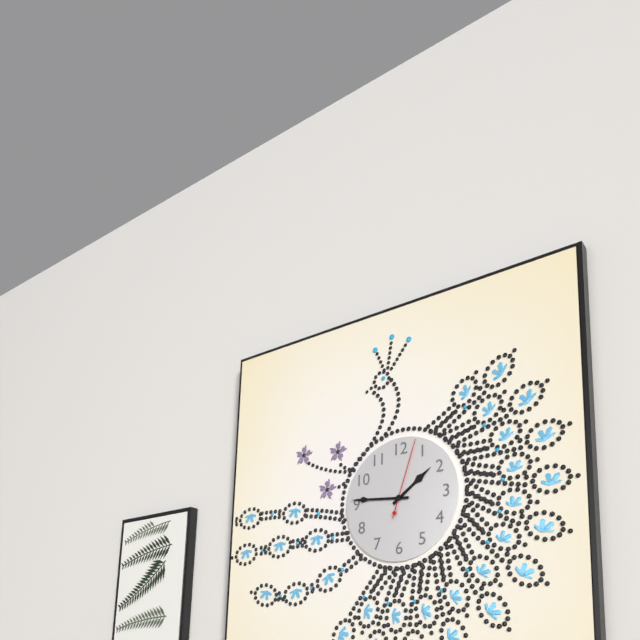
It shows 1:46:03
